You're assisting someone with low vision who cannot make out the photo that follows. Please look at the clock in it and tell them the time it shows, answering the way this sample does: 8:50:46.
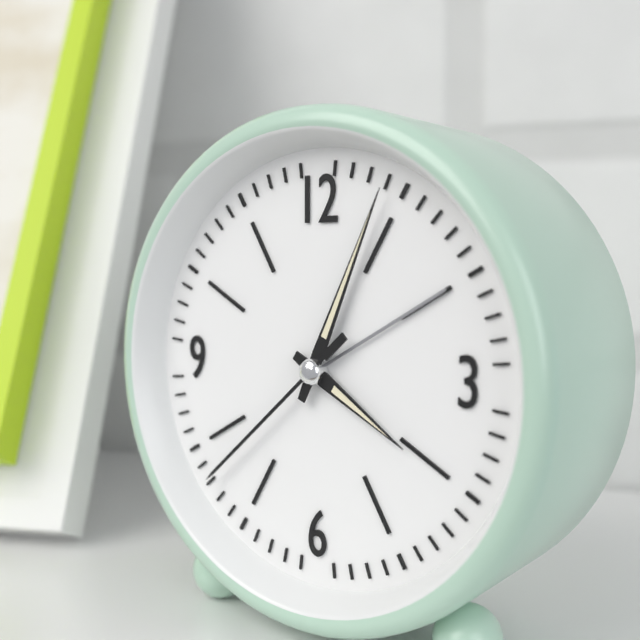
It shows 4:04:38
